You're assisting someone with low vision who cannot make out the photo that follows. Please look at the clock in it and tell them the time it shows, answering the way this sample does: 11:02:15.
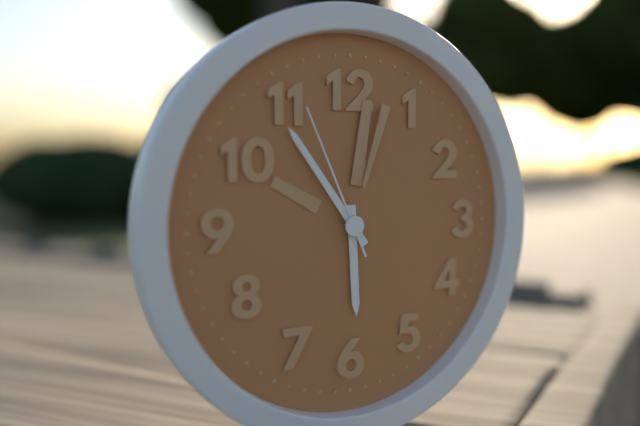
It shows 5:54:56
